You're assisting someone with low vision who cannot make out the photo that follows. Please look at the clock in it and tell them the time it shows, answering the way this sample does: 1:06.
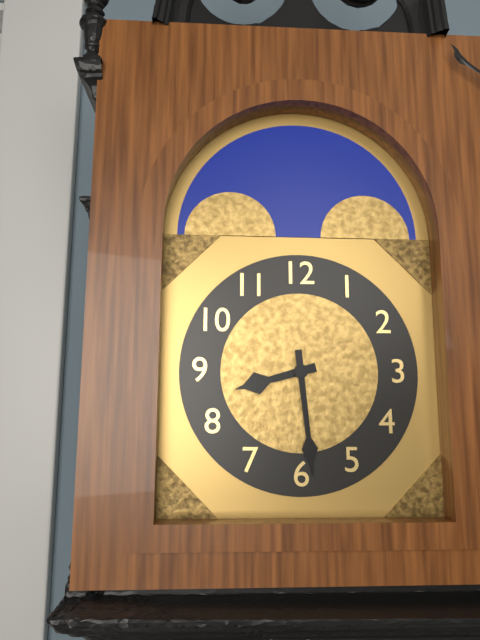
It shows 8:29
